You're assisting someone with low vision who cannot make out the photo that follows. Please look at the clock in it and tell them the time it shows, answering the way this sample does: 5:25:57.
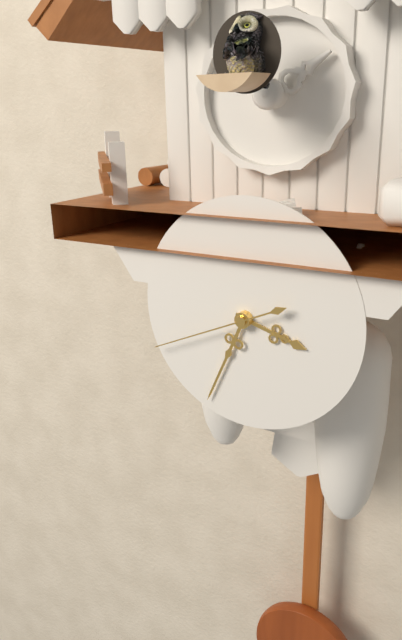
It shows 3:34:41
